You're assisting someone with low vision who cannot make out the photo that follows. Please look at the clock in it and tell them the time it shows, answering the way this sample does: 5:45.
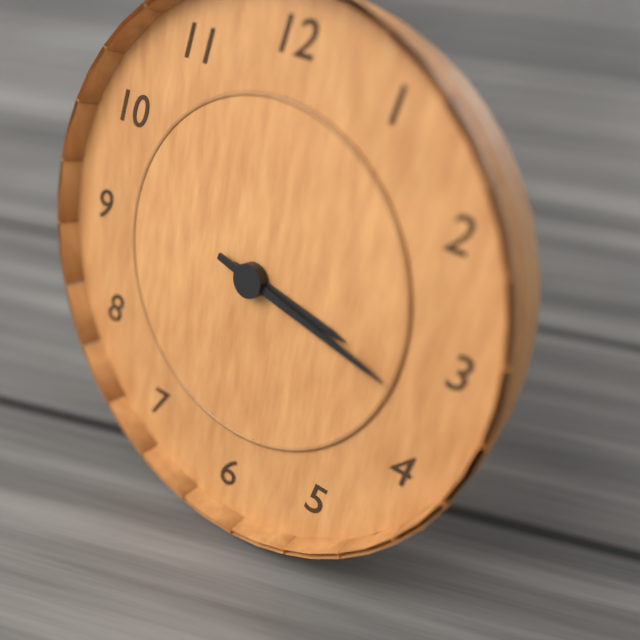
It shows 3:17
